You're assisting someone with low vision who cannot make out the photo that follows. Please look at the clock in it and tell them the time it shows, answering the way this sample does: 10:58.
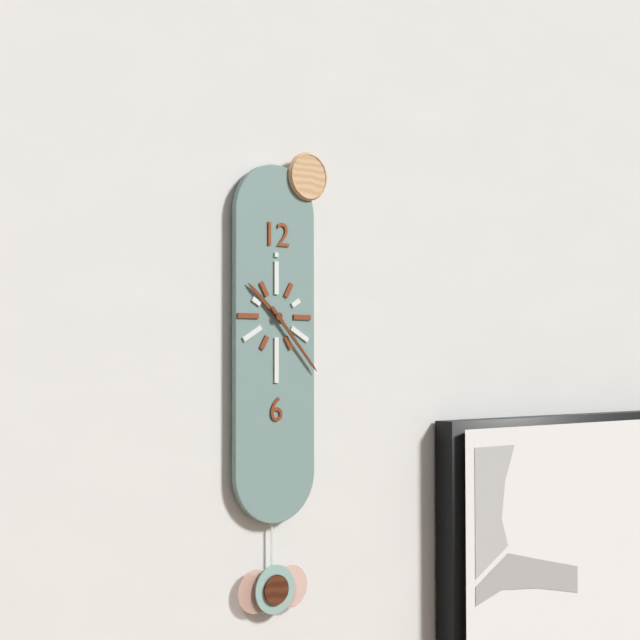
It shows 10:23
